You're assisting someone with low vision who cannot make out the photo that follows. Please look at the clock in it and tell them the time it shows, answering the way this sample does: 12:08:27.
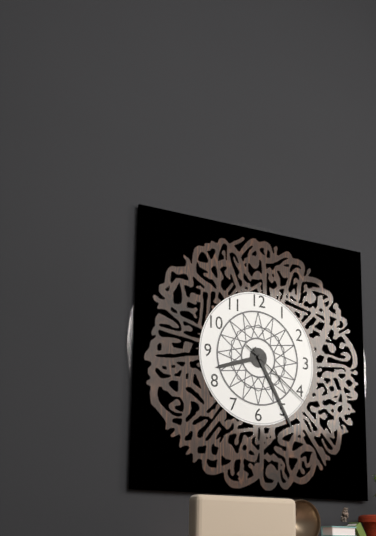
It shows 8:25:21
